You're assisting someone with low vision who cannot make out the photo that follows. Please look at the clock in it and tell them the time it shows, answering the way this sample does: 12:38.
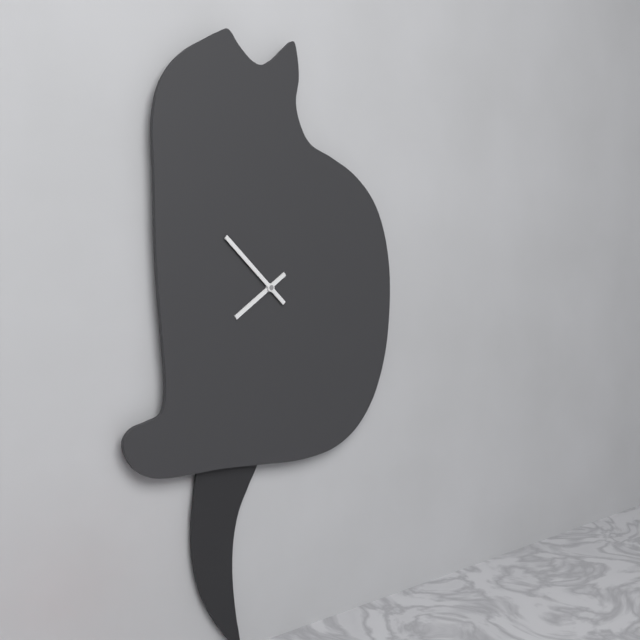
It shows 7:52
